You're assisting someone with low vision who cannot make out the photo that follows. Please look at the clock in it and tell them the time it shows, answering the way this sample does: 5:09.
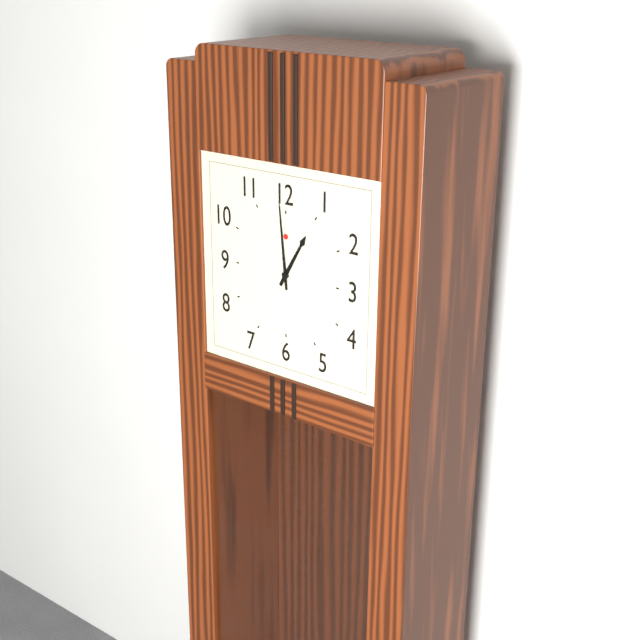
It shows 12:59
